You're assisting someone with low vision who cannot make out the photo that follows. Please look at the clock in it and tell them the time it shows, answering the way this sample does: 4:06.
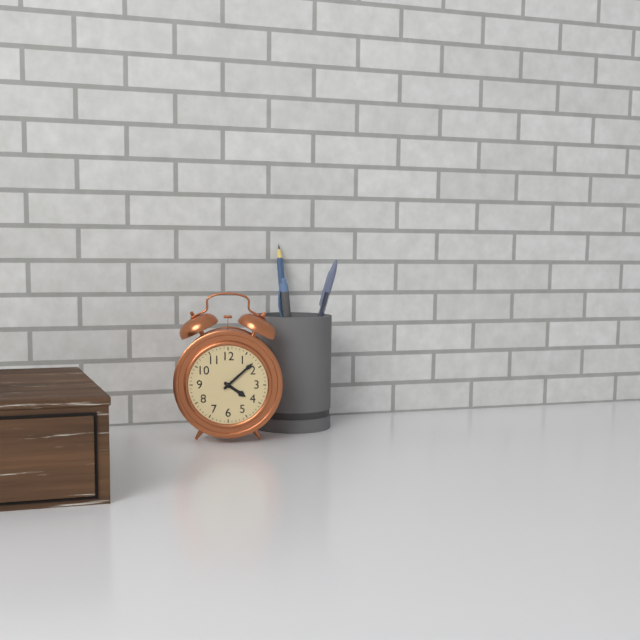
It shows 4:08
